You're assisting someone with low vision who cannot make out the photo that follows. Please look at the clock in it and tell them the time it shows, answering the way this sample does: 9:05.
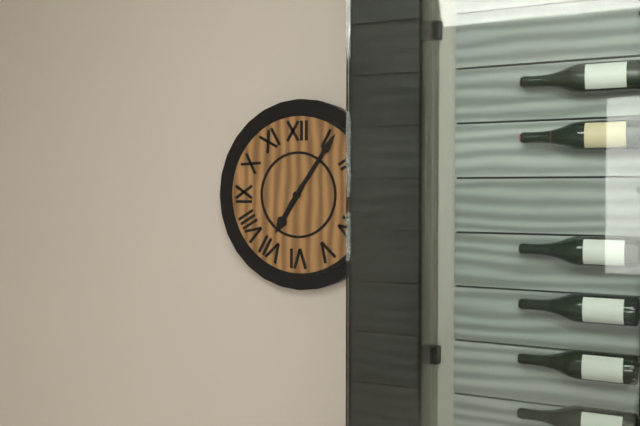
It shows 7:06
